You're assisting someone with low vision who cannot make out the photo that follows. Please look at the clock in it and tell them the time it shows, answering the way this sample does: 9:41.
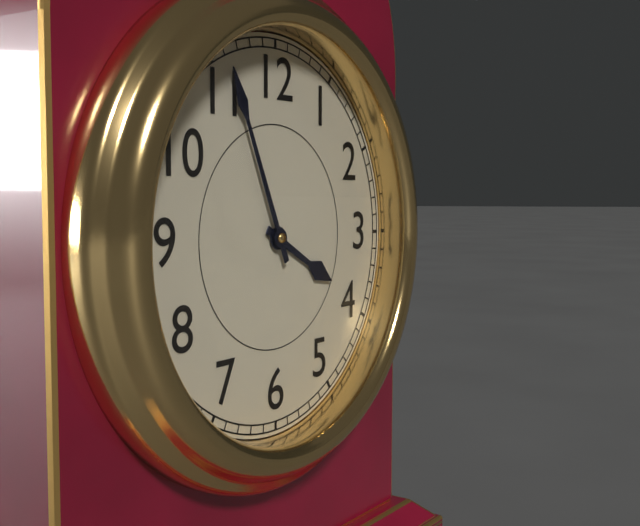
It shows 3:56
